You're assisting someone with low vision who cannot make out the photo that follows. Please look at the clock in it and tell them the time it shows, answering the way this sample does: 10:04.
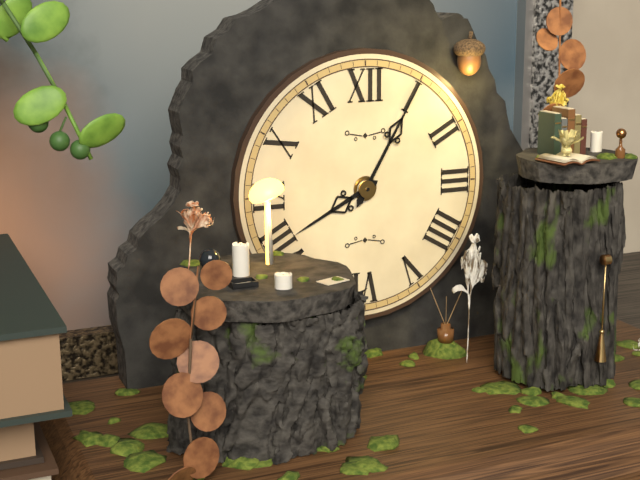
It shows 8:05
